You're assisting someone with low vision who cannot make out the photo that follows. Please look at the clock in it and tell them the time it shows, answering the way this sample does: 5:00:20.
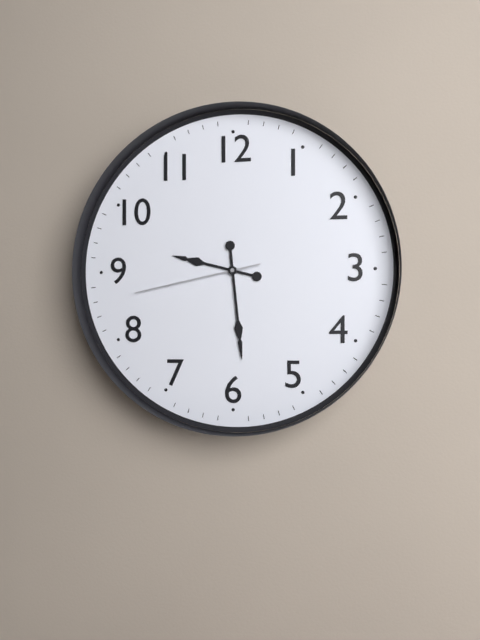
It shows 9:29:43
